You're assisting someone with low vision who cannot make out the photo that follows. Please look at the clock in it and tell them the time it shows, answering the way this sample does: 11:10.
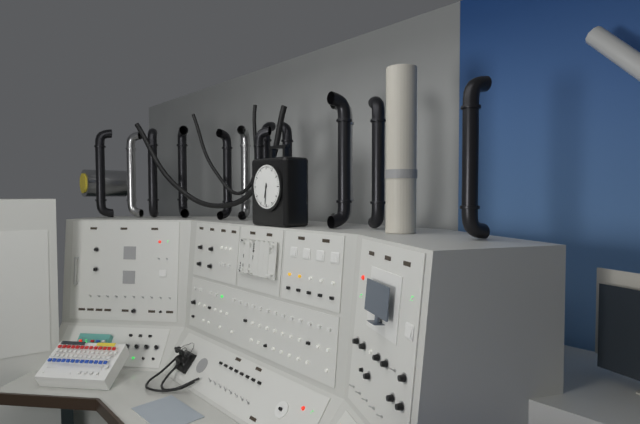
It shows 6:31
